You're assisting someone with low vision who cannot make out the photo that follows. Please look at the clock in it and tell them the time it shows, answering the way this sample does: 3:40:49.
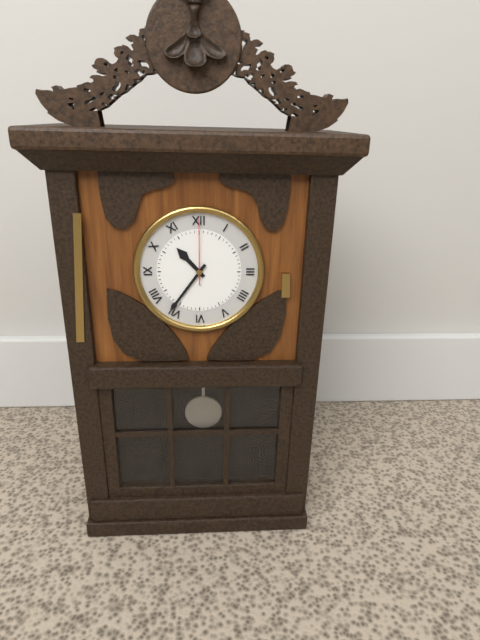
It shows 10:36:00
